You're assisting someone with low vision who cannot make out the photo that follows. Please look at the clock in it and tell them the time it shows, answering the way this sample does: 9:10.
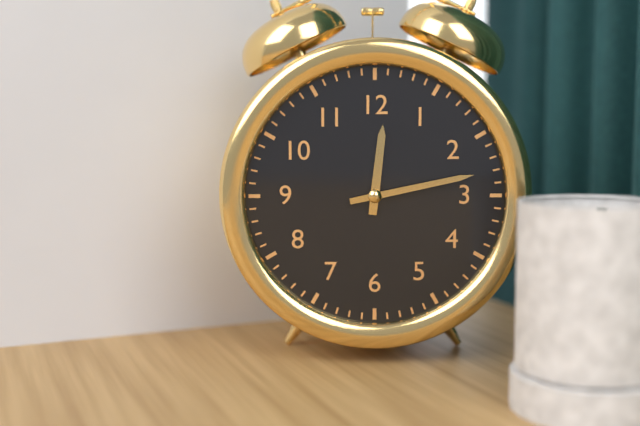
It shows 12:13
